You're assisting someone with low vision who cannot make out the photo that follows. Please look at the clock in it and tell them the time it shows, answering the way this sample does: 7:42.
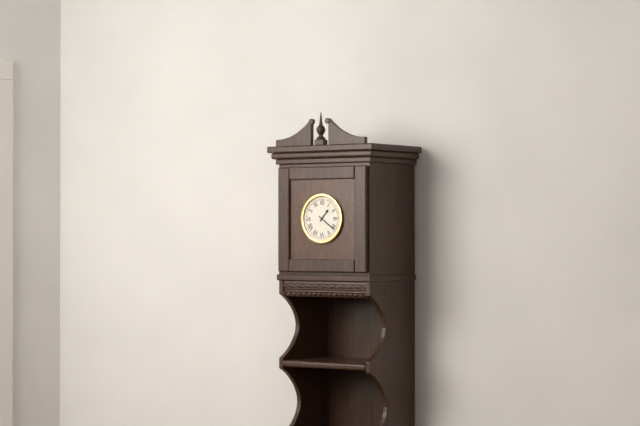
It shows 1:21
